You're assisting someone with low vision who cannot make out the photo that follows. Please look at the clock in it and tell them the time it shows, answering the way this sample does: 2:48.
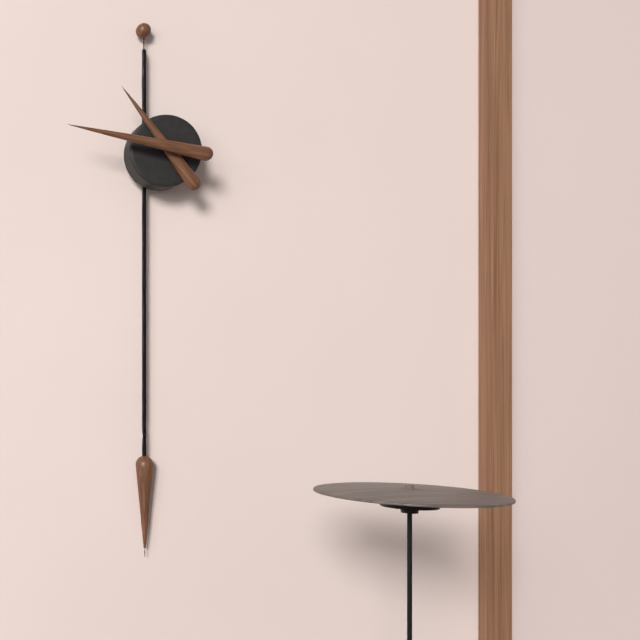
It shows 10:47
